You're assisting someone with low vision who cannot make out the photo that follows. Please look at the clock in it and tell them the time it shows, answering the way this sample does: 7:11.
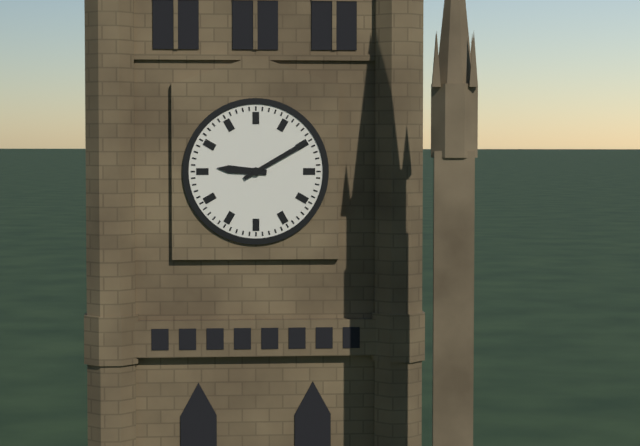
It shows 9:10
